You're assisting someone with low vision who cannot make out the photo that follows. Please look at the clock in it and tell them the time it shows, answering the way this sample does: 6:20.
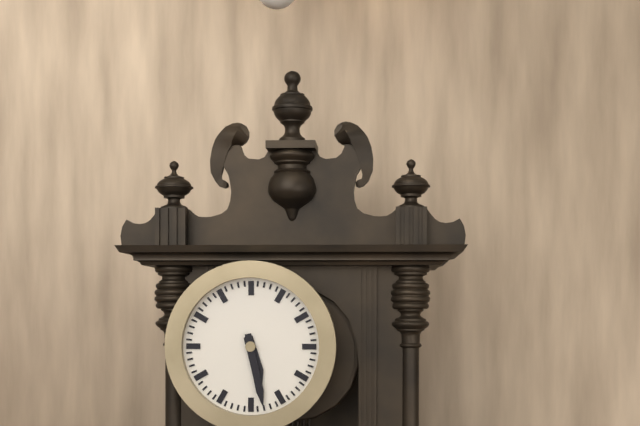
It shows 5:28
